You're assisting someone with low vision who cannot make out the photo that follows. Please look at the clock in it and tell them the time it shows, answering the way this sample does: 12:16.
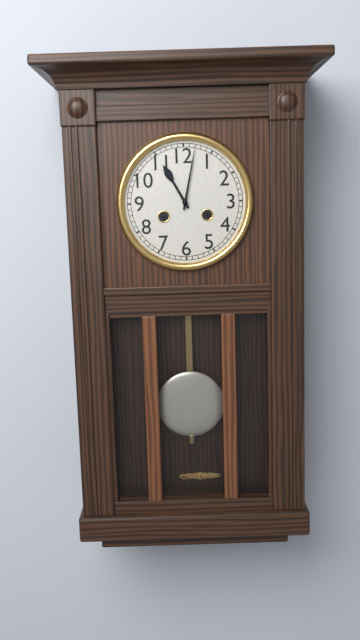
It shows 11:02
